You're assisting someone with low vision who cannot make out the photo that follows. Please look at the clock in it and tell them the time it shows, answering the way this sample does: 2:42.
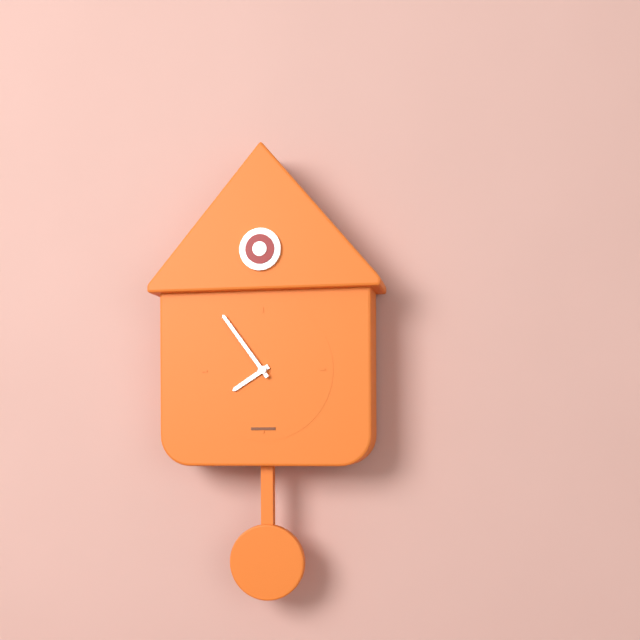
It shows 7:54
